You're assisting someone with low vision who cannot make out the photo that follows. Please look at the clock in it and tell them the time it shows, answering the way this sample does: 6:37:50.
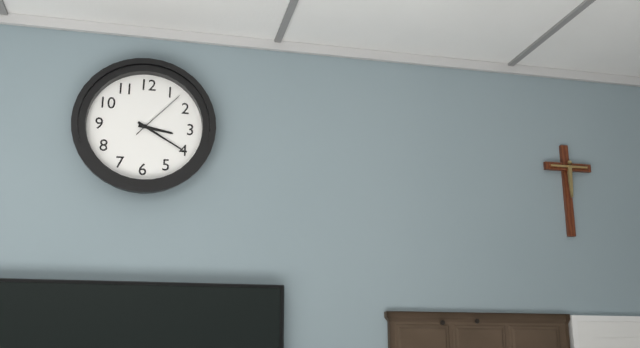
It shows 3:20:07
